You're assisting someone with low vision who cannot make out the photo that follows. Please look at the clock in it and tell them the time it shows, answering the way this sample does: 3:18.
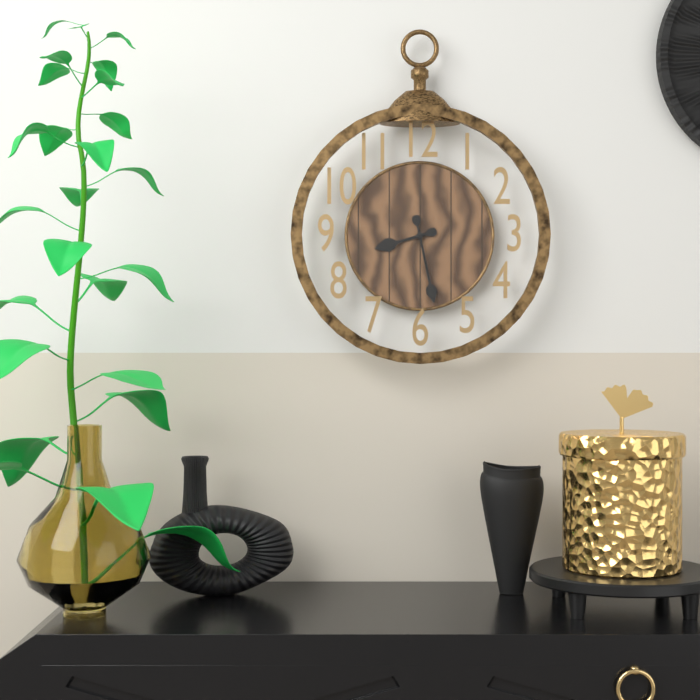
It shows 8:28
